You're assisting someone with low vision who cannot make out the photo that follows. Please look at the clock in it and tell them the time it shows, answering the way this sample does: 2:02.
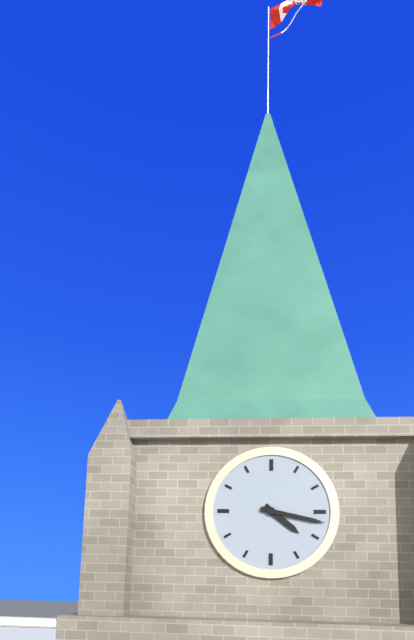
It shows 4:17
